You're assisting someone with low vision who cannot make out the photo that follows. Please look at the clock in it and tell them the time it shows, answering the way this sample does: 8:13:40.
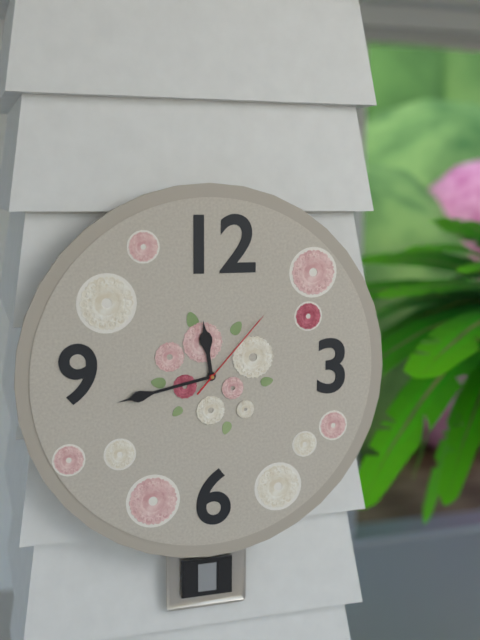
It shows 11:43:07
